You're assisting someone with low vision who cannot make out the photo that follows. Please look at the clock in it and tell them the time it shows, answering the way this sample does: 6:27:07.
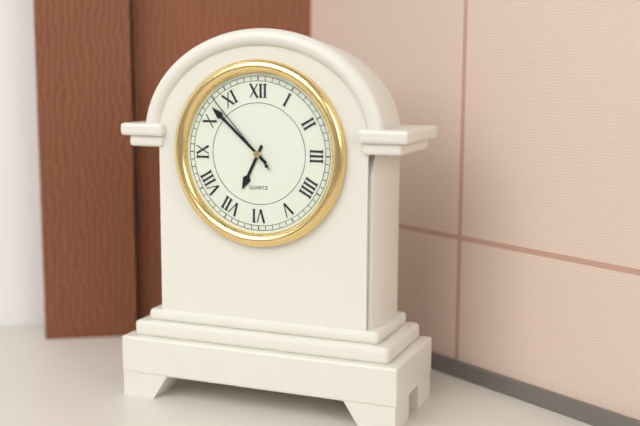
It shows 6:52:53
